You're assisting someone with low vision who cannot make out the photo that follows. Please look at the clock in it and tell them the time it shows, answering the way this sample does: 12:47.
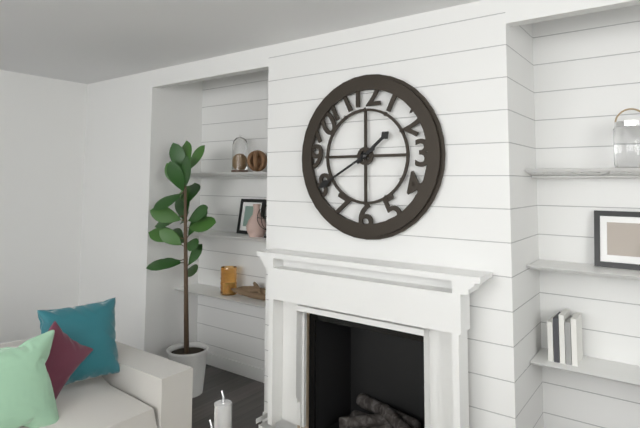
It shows 1:40
